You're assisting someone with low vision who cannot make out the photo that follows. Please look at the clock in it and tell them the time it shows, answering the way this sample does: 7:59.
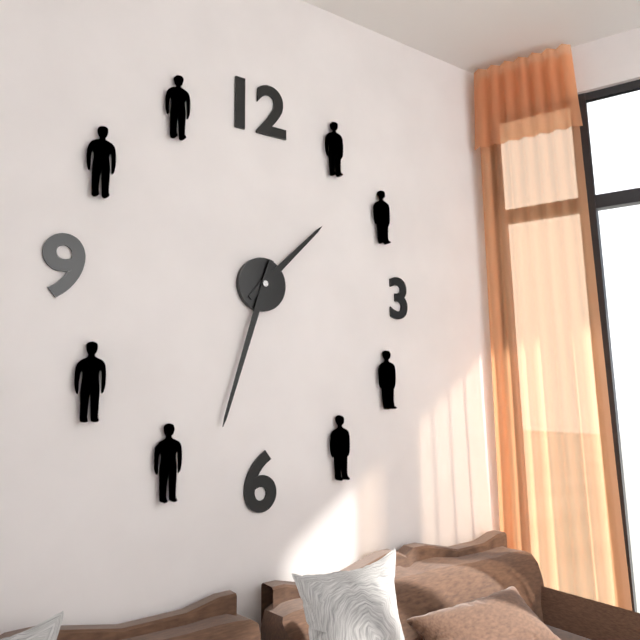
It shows 1:33
